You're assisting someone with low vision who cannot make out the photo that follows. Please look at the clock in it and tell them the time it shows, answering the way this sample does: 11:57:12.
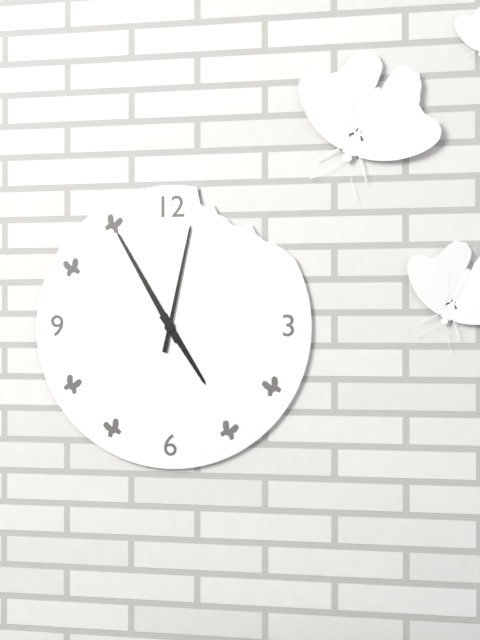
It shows 4:55:02
